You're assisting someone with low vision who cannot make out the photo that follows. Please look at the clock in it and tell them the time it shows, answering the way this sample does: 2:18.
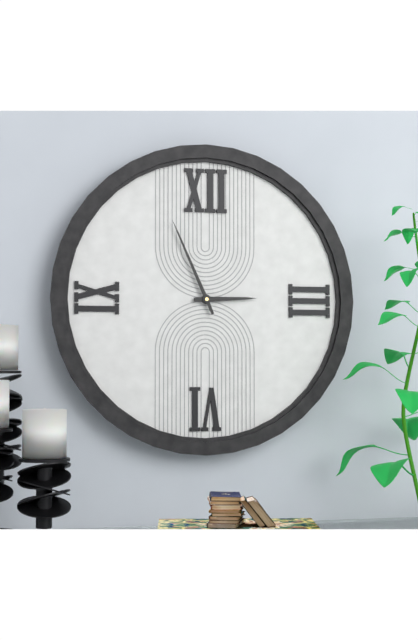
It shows 2:56
